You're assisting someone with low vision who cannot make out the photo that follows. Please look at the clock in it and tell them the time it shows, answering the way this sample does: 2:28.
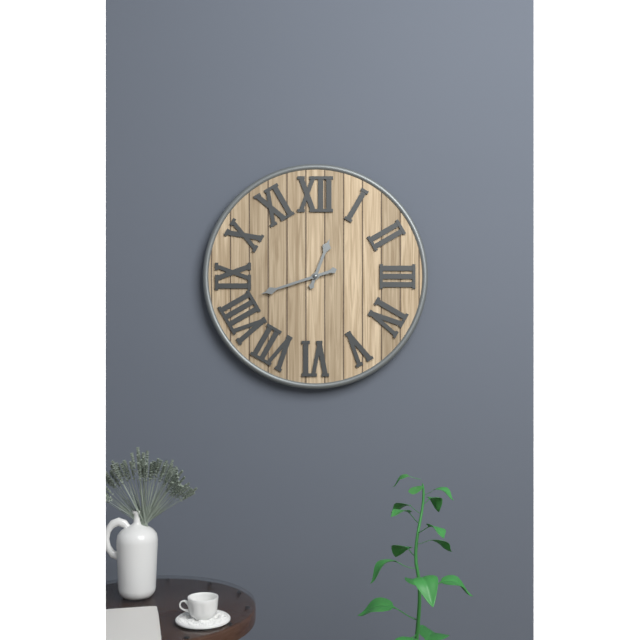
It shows 12:42
